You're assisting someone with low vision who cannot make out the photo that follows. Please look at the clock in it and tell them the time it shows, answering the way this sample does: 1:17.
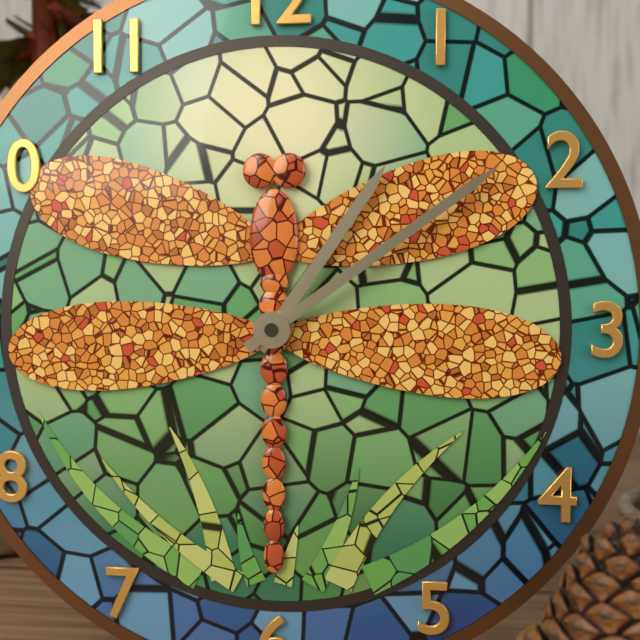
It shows 1:09
